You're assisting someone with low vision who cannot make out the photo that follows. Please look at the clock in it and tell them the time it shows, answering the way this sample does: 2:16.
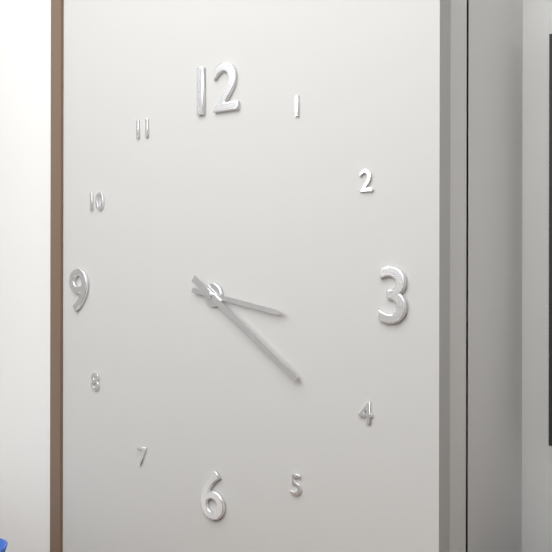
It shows 3:21
